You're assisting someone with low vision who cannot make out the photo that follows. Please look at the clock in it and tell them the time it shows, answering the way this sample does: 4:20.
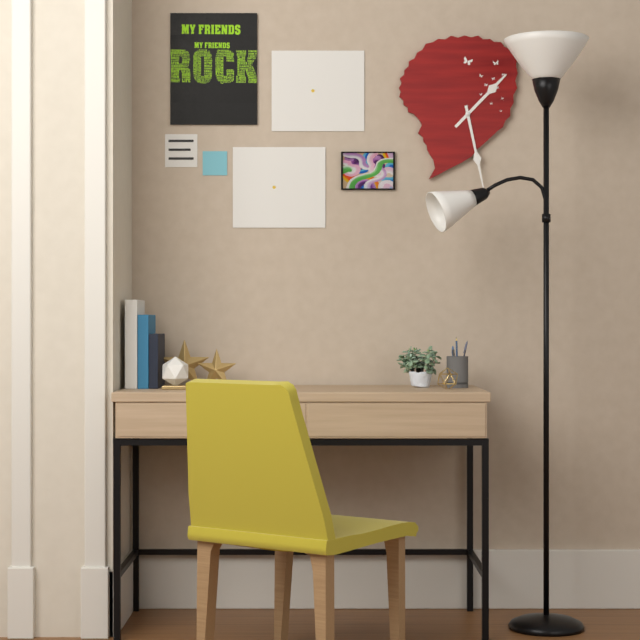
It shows 1:28
